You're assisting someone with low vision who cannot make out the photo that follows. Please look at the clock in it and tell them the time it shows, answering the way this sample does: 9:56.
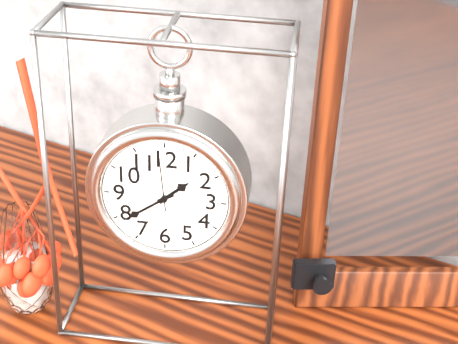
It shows 1:39
